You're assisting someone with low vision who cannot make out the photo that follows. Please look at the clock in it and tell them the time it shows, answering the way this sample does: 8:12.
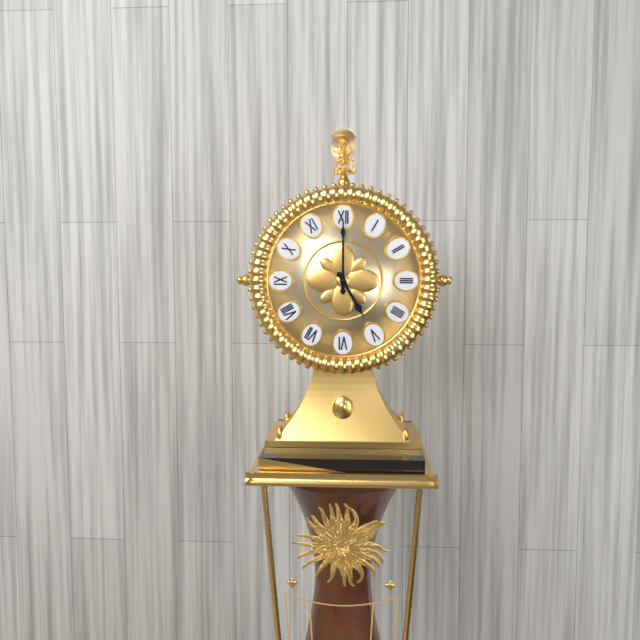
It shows 5:00
